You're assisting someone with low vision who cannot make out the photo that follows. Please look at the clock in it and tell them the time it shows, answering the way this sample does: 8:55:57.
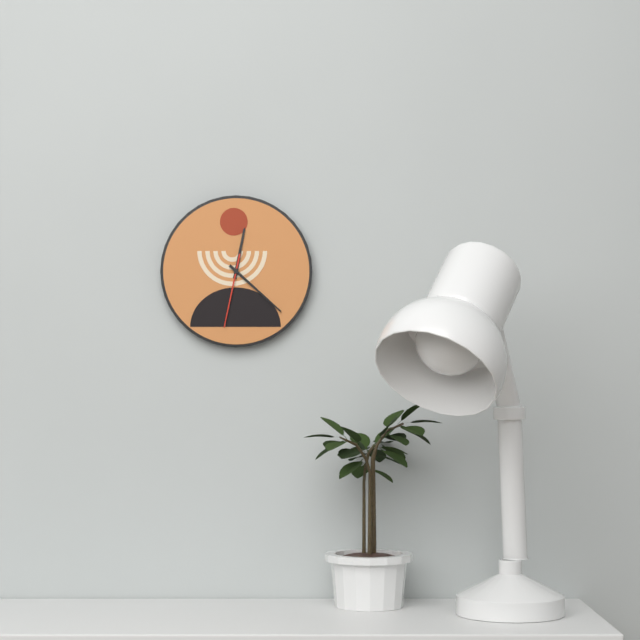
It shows 12:22:32
